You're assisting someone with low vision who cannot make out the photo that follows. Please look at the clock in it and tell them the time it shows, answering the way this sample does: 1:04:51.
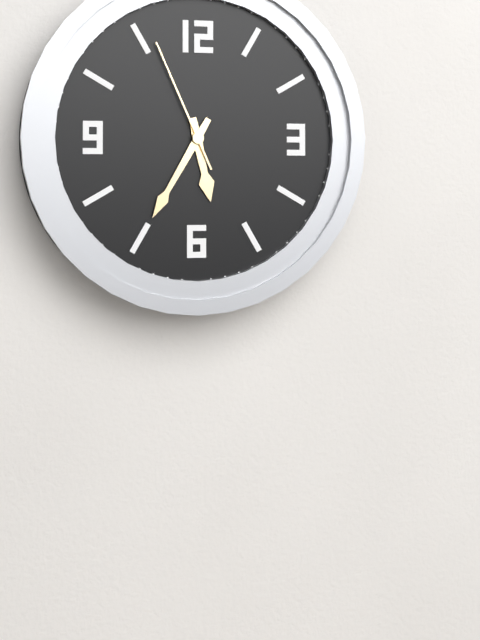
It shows 5:35:56
